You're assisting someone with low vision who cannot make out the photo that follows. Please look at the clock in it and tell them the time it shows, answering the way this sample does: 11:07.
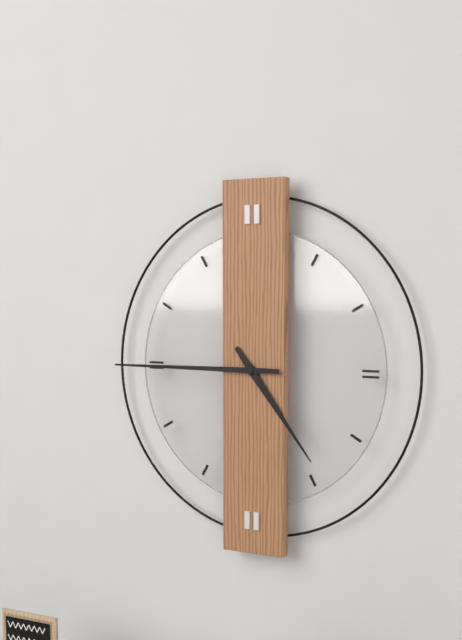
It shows 4:45
